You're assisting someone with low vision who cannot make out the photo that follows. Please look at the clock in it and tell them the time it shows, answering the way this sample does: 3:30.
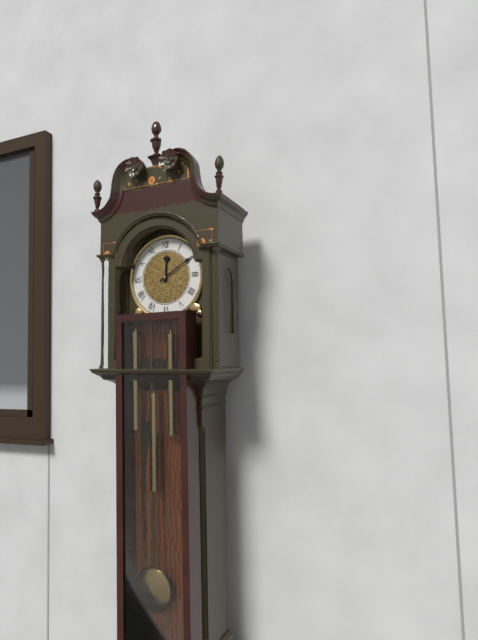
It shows 12:10
